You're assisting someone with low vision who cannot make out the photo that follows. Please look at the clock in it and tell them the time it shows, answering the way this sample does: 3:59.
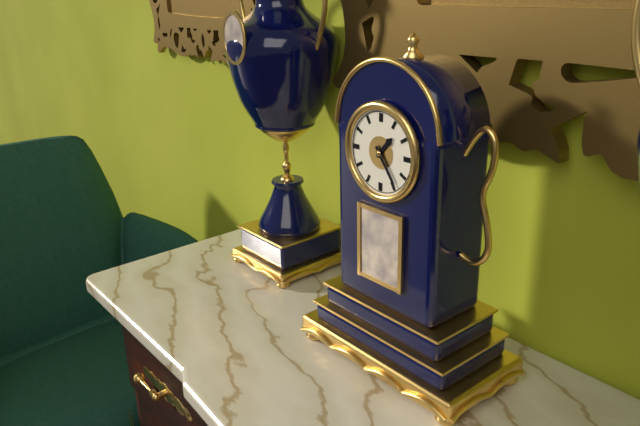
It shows 1:24
